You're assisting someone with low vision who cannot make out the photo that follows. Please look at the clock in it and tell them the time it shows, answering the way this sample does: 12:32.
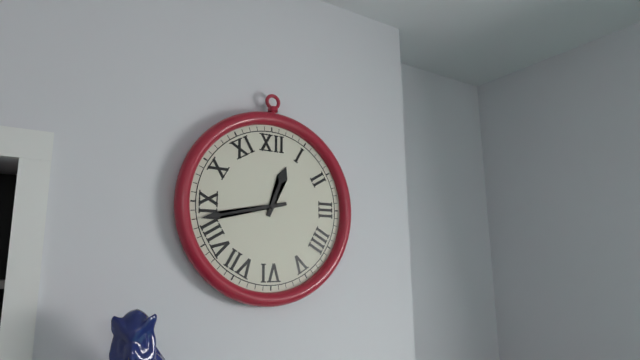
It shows 12:43
